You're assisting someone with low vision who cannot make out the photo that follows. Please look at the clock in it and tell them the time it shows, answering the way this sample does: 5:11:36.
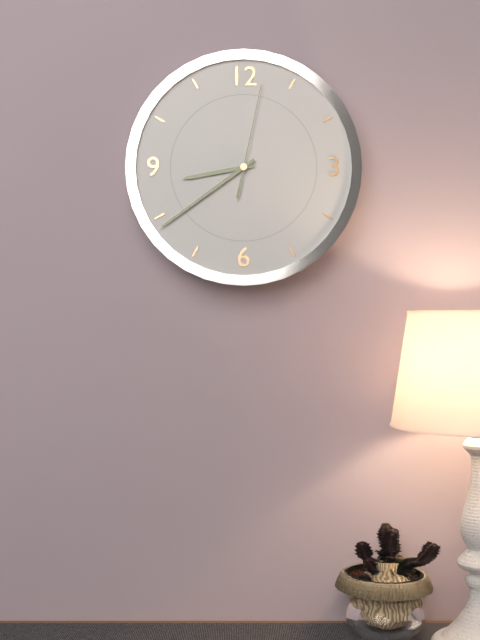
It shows 8:39:02
